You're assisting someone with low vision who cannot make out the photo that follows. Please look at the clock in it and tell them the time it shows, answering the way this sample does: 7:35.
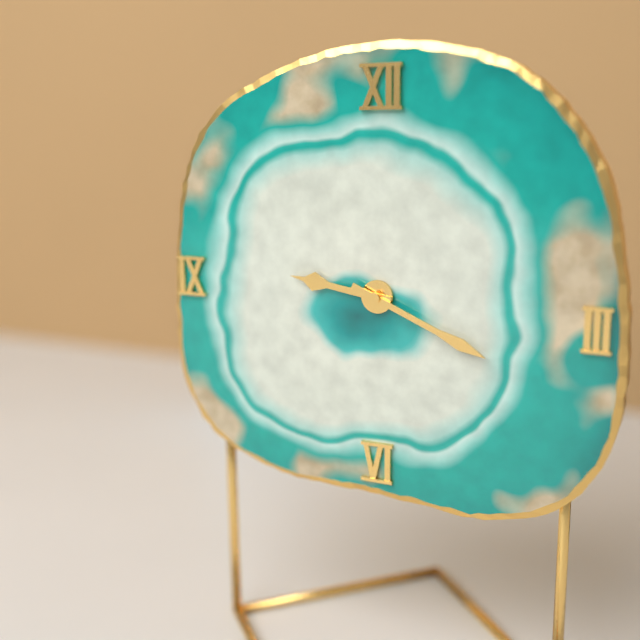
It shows 9:19
